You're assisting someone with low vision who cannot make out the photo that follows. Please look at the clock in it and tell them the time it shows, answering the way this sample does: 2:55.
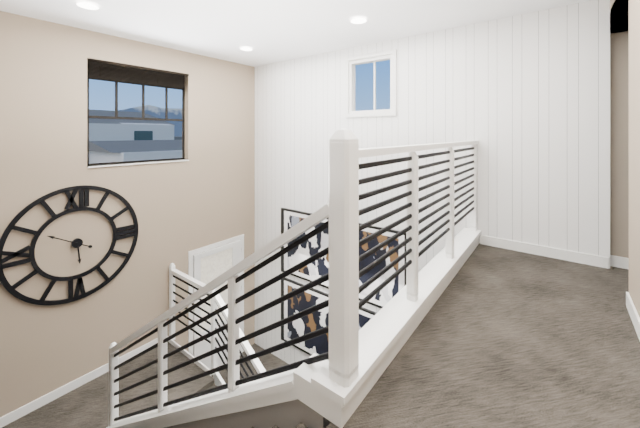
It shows 5:50
